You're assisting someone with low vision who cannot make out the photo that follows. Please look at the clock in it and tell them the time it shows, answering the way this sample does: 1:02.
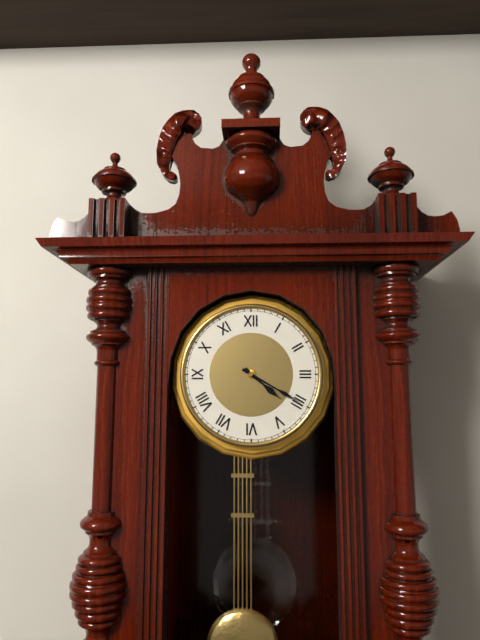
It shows 4:20
